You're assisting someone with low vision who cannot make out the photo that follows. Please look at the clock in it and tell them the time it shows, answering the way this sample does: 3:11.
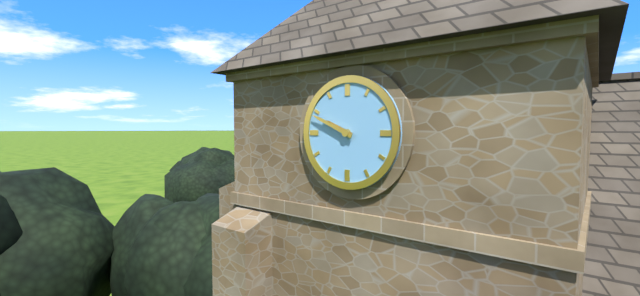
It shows 9:49
